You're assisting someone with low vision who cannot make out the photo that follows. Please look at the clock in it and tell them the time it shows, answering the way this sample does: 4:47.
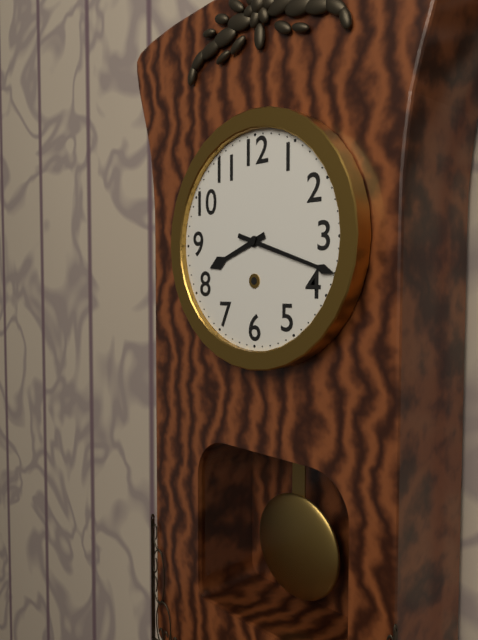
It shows 8:18
